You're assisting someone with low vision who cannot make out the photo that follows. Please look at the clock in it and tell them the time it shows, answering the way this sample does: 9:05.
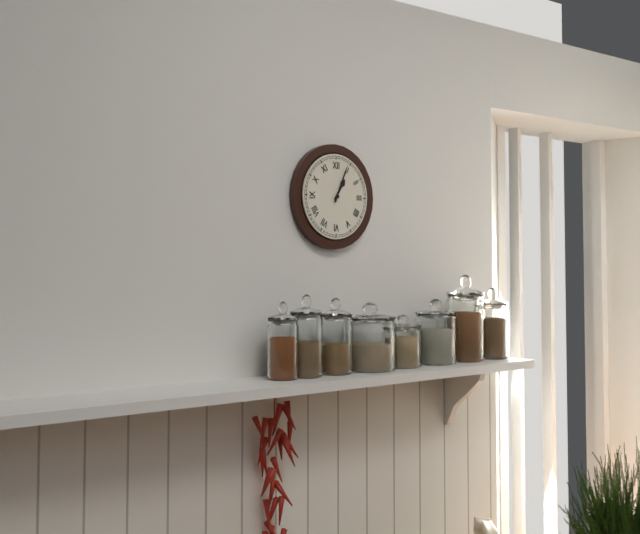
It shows 1:04
